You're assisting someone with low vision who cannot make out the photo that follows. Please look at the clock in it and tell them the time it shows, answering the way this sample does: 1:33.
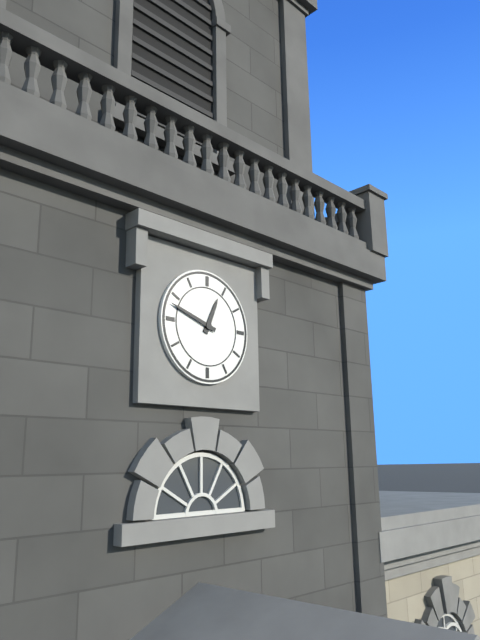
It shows 12:48
